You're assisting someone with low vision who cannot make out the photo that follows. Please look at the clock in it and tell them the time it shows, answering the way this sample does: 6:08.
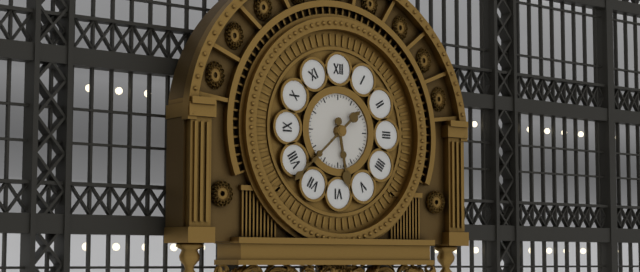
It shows 5:38
